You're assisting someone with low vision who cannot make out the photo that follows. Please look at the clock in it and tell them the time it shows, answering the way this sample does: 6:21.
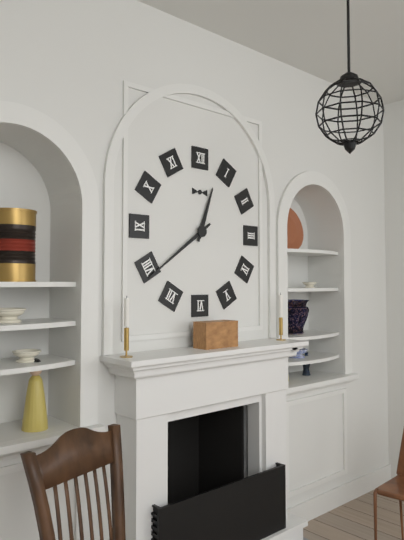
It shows 12:39
